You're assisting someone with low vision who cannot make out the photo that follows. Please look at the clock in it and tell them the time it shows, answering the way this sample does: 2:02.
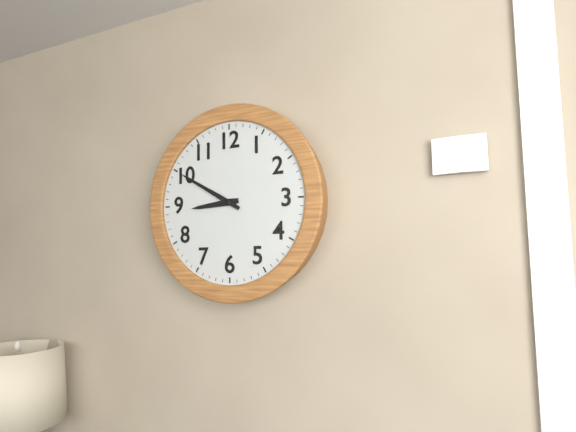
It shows 8:50
